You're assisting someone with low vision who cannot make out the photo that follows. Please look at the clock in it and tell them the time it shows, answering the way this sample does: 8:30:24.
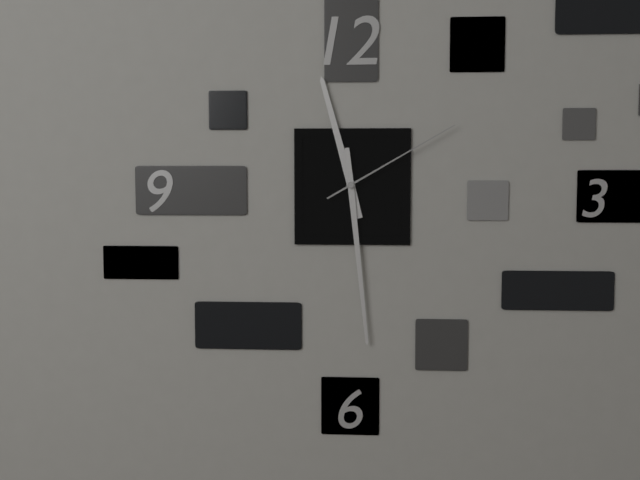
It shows 11:29:10
